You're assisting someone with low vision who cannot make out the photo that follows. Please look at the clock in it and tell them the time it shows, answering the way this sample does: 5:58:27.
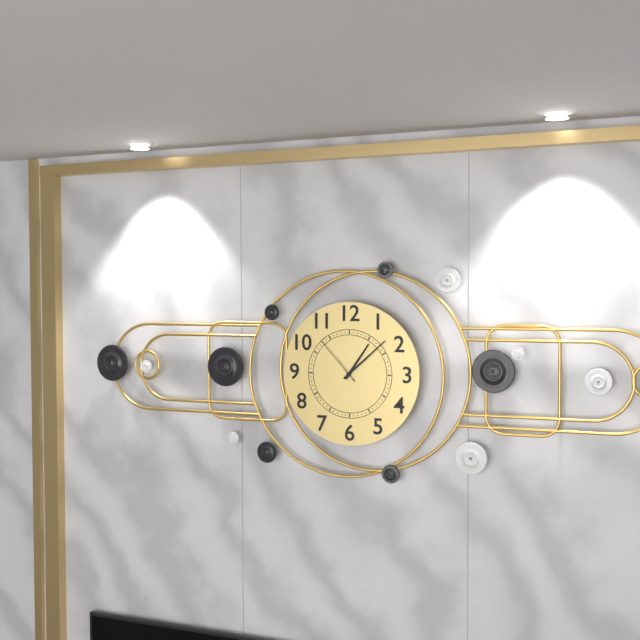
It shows 1:08:53
